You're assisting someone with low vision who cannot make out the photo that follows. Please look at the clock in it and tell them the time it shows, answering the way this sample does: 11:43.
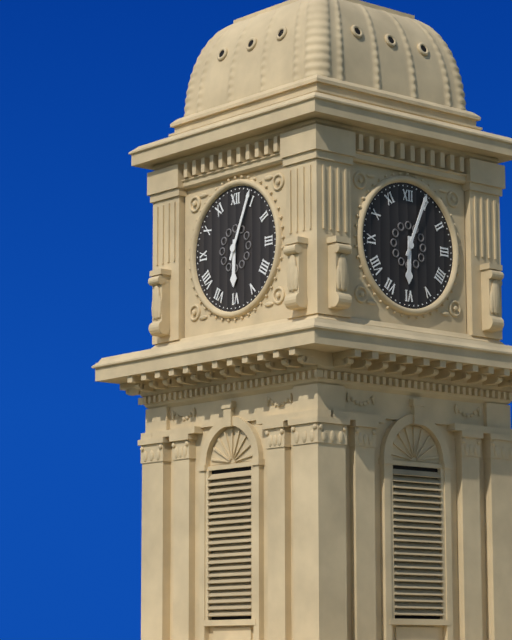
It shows 6:04
